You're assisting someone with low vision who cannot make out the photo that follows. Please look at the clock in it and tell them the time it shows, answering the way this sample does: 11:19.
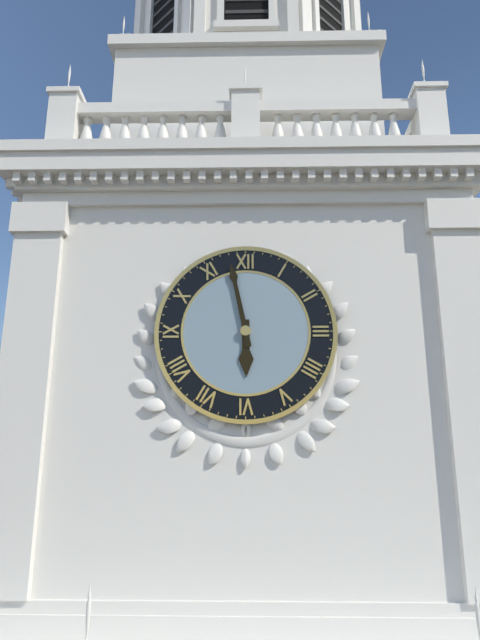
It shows 5:58
